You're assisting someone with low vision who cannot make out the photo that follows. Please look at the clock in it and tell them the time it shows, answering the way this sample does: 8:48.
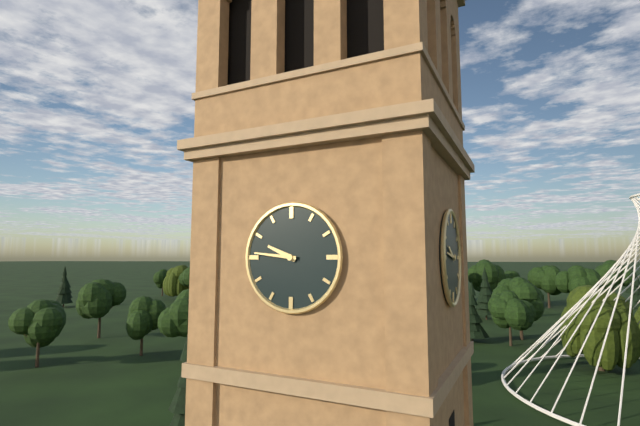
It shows 9:46
